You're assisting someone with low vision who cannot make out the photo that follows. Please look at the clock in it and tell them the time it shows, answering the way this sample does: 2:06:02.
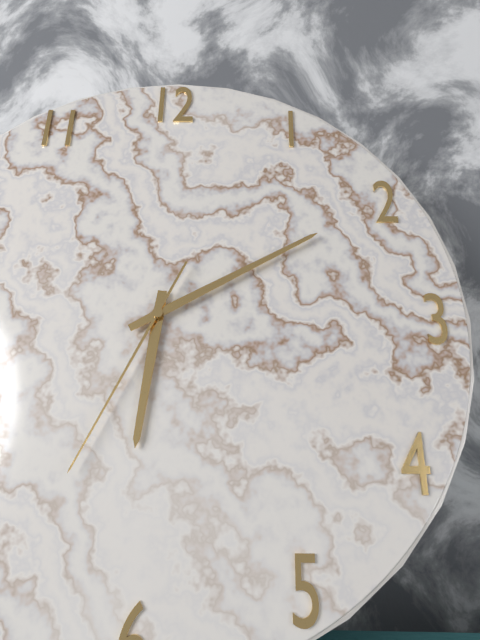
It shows 6:10:34
